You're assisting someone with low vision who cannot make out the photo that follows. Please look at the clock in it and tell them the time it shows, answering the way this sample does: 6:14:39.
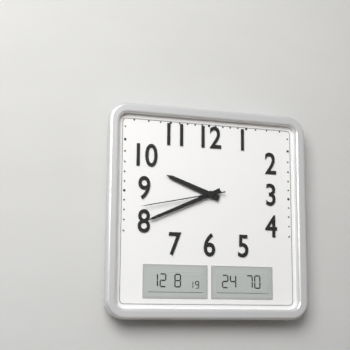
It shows 9:41:43
